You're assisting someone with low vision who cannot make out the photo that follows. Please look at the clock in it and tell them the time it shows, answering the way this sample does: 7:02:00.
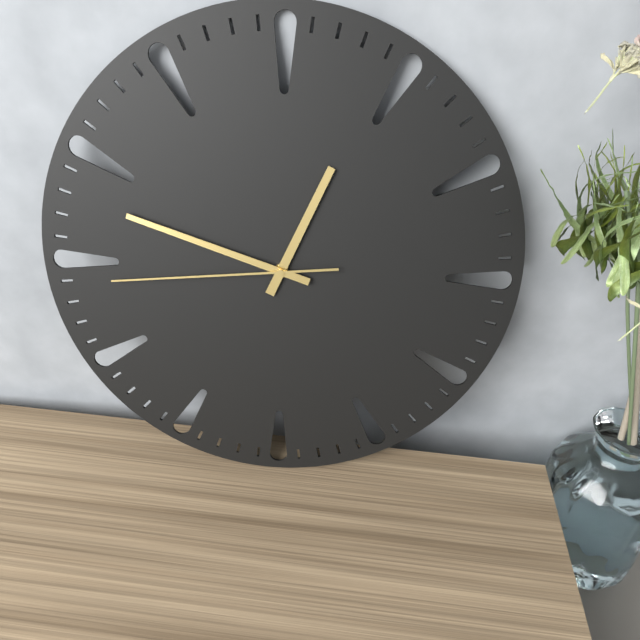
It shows 12:48:44
